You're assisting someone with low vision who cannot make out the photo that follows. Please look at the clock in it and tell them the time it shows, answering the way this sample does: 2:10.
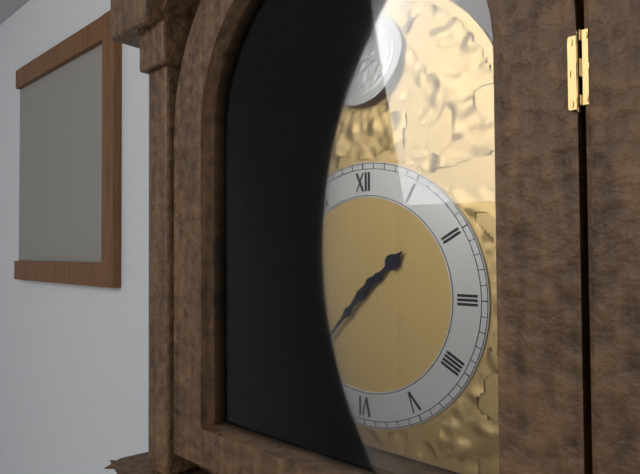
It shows 1:37
